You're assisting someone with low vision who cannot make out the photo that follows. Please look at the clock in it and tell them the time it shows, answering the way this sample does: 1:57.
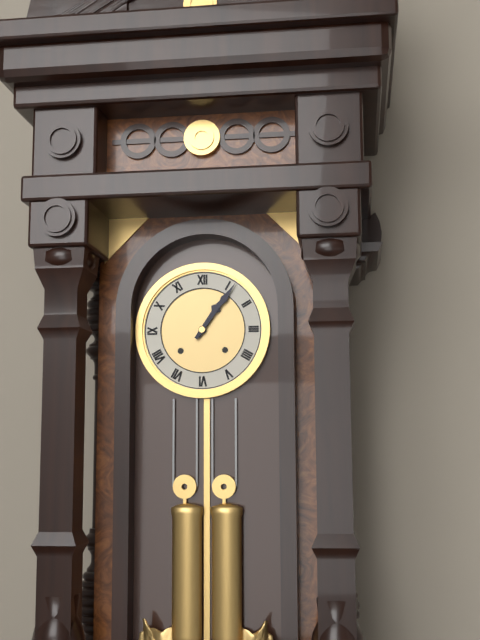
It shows 1:06
